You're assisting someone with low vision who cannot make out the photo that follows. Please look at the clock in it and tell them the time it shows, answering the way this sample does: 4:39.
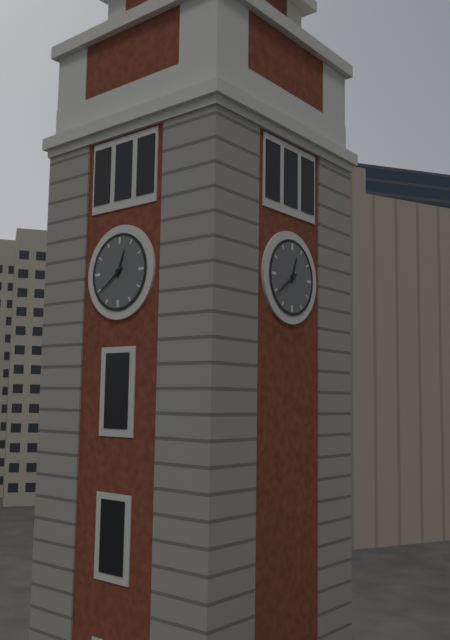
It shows 12:39
